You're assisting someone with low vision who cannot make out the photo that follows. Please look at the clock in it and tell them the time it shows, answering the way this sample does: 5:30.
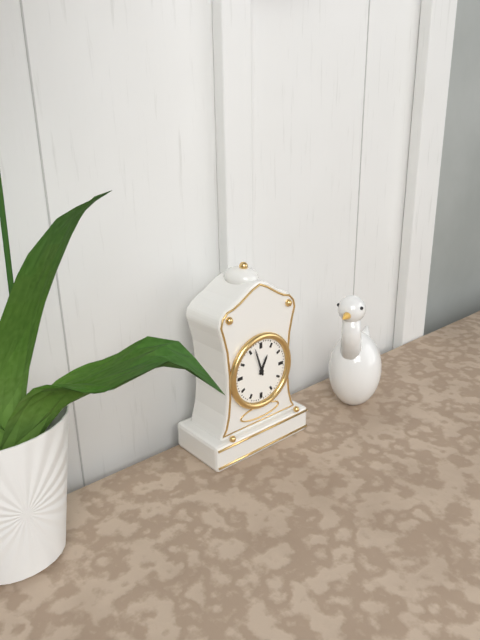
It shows 12:57
